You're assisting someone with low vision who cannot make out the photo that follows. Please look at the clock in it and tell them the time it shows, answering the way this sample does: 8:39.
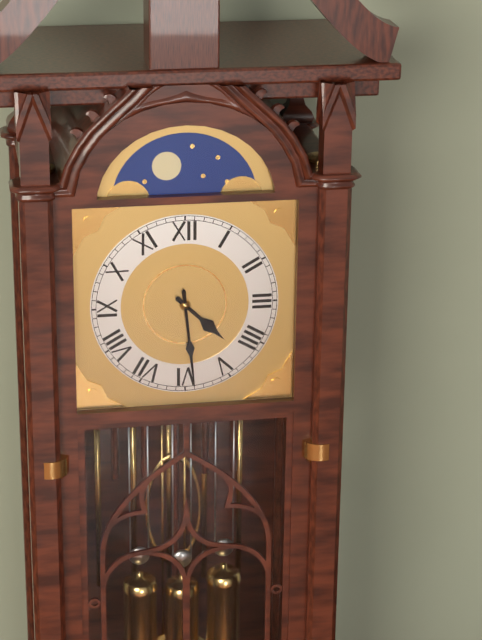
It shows 4:29
